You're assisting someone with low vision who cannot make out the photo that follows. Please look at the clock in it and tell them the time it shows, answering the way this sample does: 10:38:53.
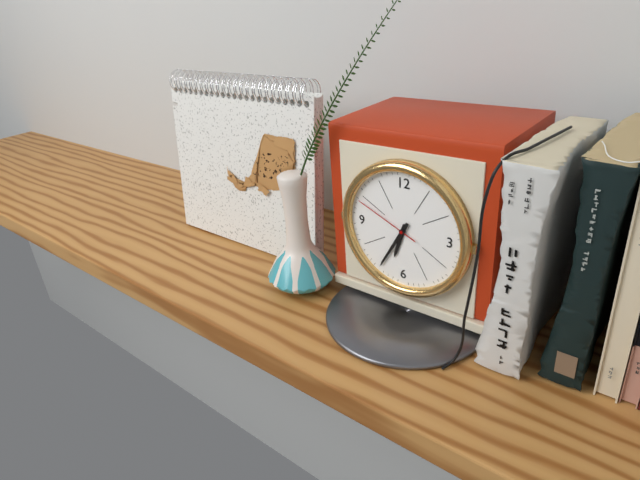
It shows 6:35:49
